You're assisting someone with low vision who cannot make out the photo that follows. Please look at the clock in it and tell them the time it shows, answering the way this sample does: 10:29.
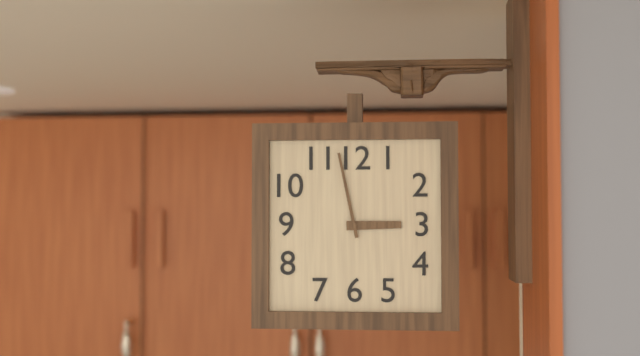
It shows 2:58
